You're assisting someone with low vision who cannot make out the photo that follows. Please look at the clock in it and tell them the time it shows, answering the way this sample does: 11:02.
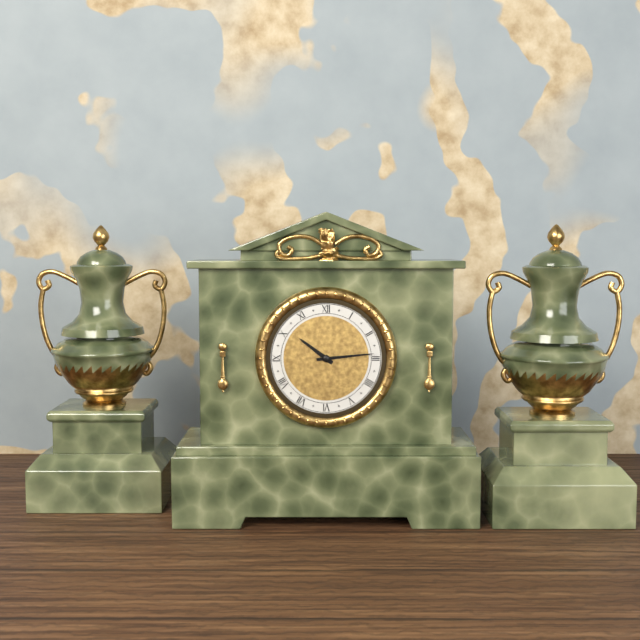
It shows 10:14
